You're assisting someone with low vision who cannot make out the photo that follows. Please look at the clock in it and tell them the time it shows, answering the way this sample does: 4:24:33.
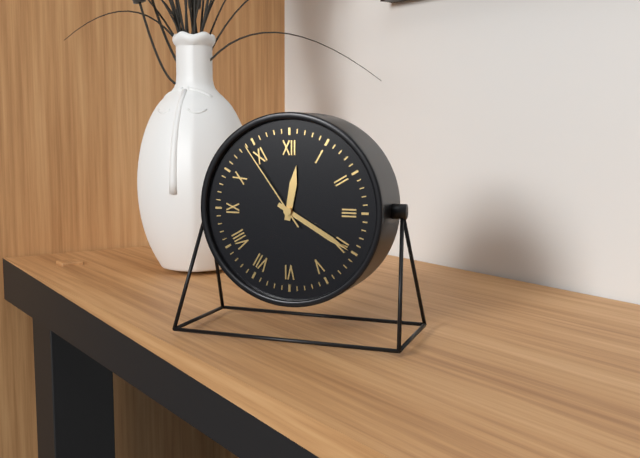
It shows 12:20:54
